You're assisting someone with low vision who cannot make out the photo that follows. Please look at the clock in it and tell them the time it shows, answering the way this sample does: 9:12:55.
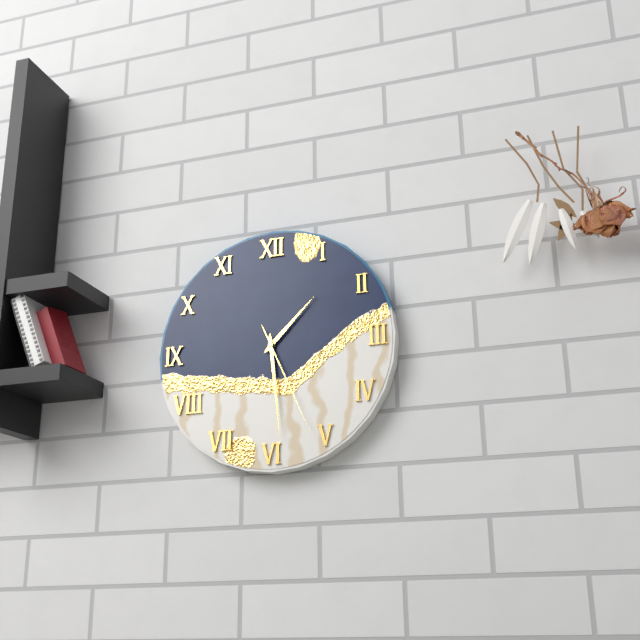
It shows 1:29:26
